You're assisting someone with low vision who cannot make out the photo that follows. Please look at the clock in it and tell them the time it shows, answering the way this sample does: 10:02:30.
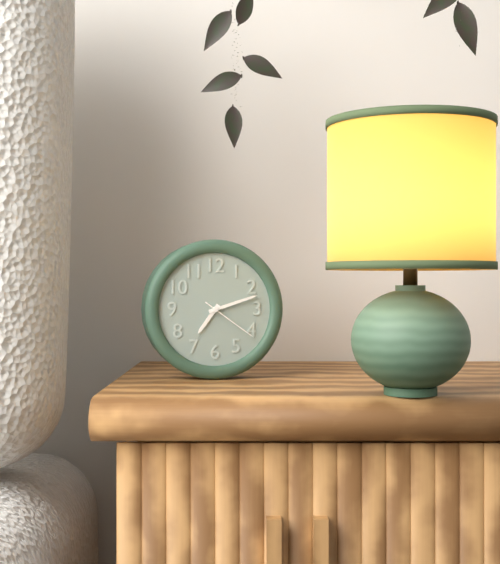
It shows 7:12:21
